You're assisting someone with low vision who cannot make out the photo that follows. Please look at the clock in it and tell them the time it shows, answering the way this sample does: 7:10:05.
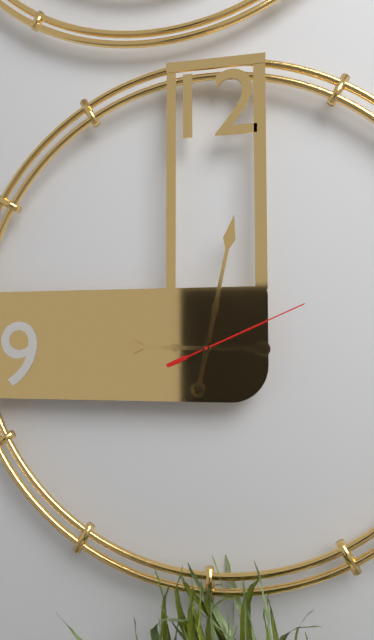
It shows 9:02:11
